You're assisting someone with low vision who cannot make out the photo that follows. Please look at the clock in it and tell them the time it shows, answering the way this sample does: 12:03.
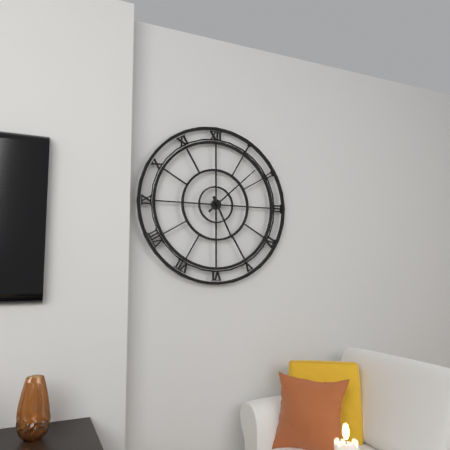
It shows 5:08
